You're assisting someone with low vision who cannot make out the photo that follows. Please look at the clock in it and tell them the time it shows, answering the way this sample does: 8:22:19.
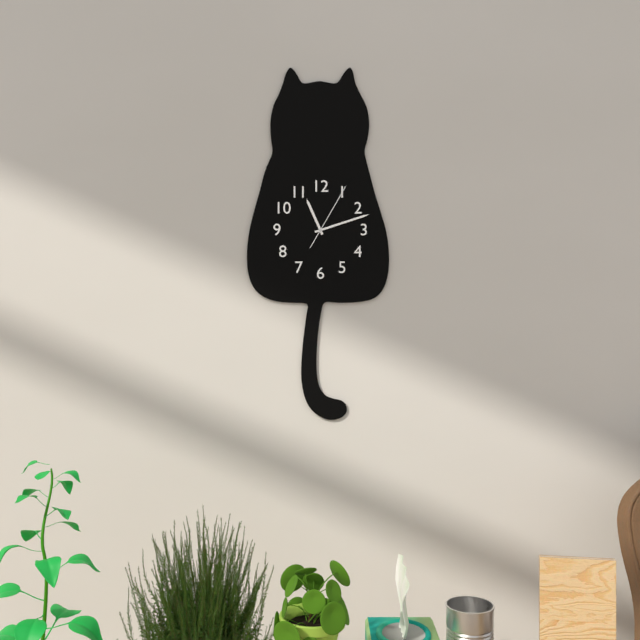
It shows 11:12:05
